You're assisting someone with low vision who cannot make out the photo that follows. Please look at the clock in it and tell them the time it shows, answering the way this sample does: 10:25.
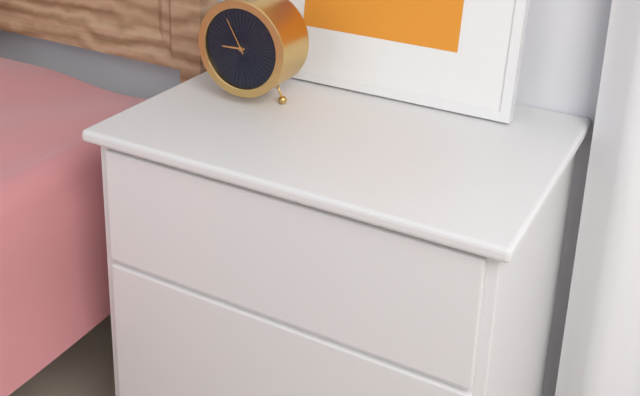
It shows 8:55
